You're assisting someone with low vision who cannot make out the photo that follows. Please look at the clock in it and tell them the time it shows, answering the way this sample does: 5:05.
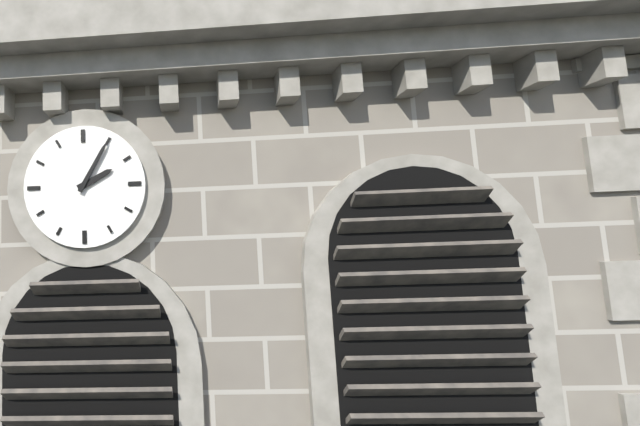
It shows 2:05
